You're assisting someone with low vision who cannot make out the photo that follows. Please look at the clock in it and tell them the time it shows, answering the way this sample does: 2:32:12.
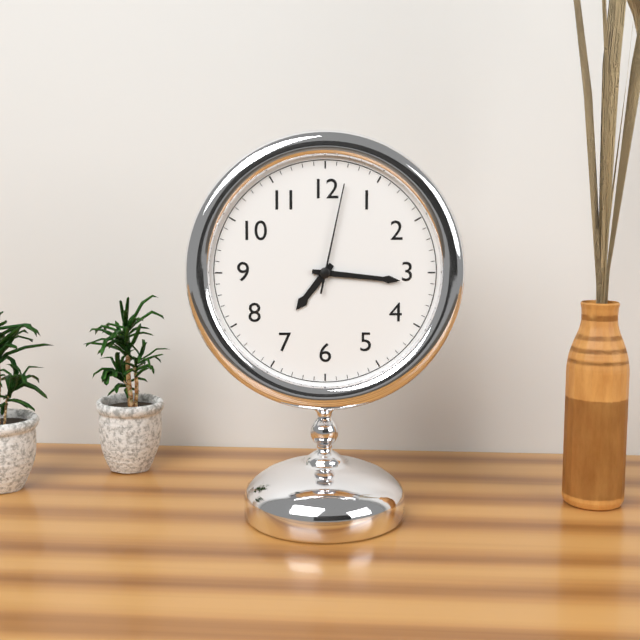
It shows 7:16:02
